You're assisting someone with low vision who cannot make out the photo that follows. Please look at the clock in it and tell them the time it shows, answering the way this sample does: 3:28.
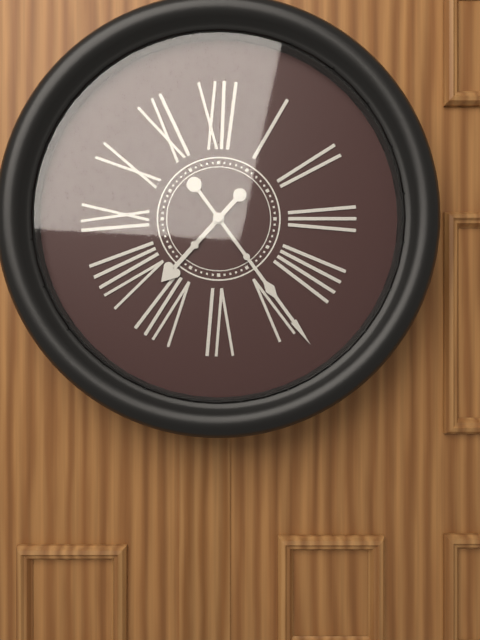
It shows 7:24
